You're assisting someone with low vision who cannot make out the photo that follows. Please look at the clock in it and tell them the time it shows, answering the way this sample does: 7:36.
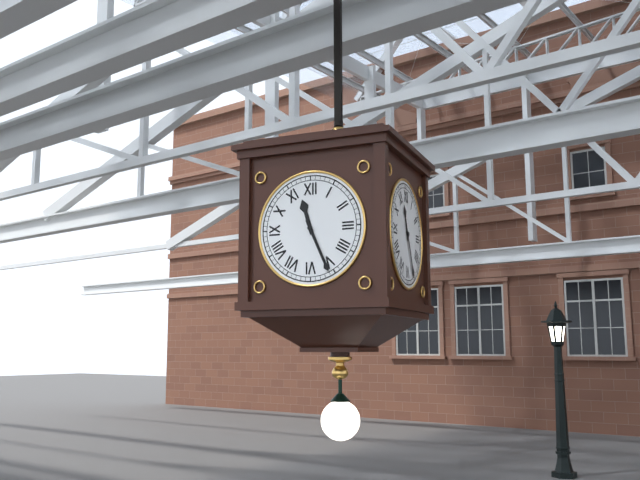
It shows 11:26
